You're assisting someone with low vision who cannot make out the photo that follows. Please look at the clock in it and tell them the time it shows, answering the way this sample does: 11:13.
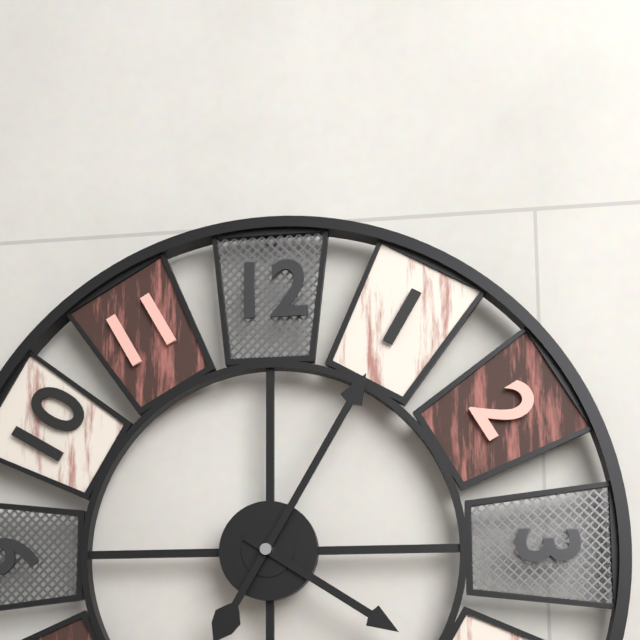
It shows 4:05
